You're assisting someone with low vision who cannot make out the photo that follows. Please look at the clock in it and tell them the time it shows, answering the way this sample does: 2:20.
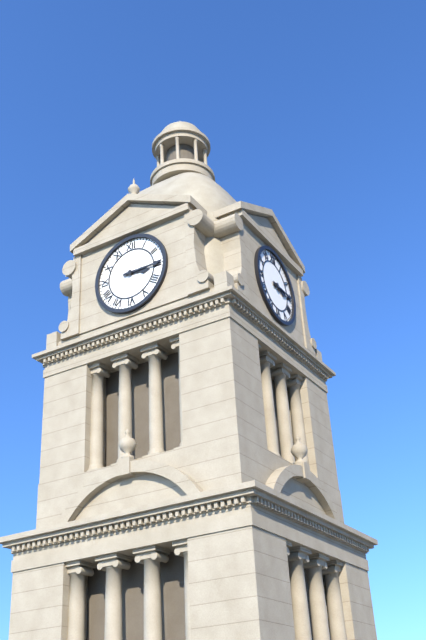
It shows 3:15
